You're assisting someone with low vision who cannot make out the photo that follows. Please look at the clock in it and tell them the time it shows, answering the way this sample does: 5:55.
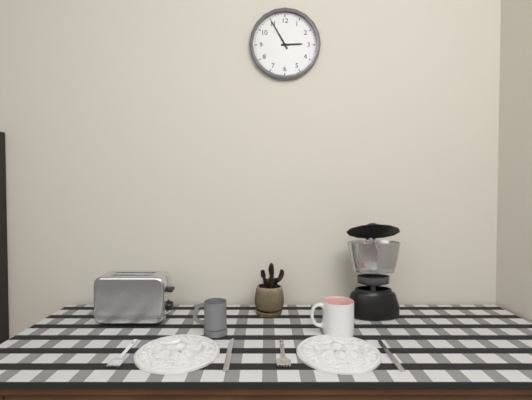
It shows 2:55
